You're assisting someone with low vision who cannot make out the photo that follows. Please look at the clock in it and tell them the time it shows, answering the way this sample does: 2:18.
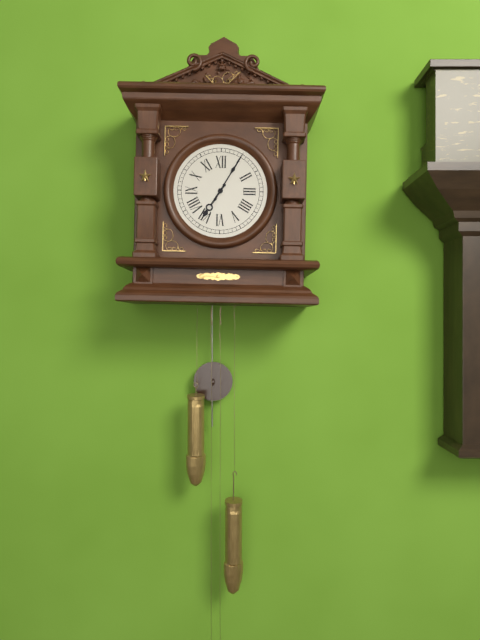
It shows 7:05
